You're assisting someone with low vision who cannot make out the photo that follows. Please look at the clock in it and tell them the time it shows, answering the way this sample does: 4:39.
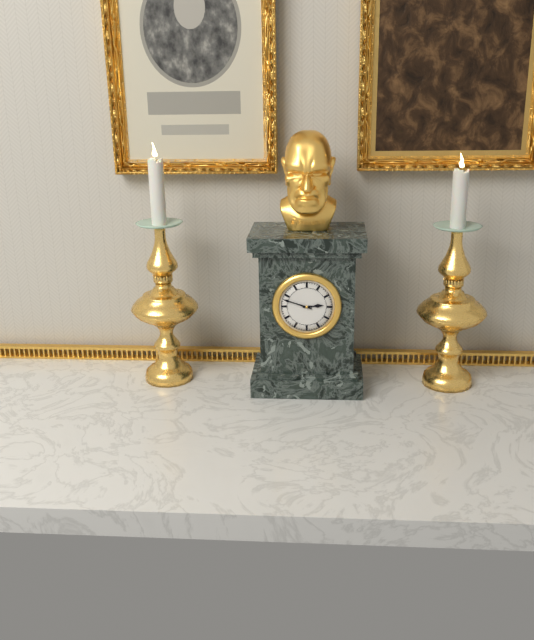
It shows 2:48
